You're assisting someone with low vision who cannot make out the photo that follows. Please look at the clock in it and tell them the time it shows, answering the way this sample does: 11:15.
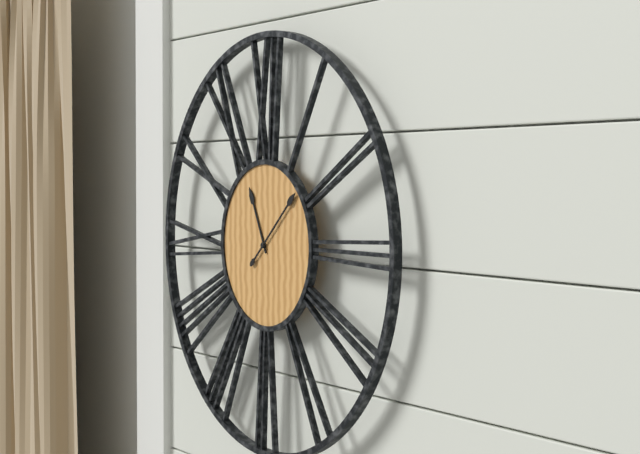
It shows 11:08
